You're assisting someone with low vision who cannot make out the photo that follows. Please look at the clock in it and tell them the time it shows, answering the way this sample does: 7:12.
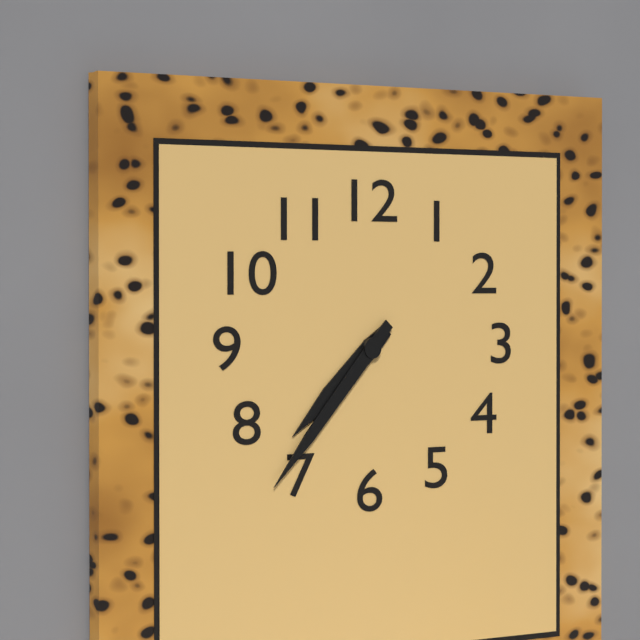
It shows 7:37
